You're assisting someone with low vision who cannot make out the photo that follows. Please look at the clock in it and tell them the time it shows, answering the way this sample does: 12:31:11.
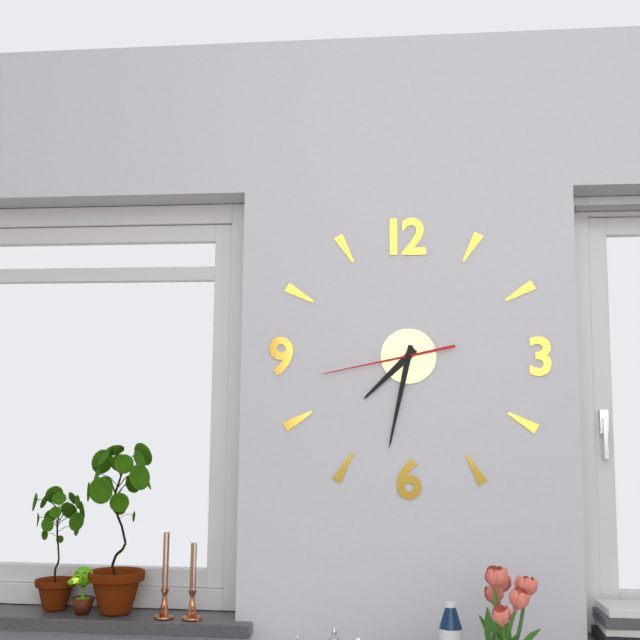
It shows 7:32:43
